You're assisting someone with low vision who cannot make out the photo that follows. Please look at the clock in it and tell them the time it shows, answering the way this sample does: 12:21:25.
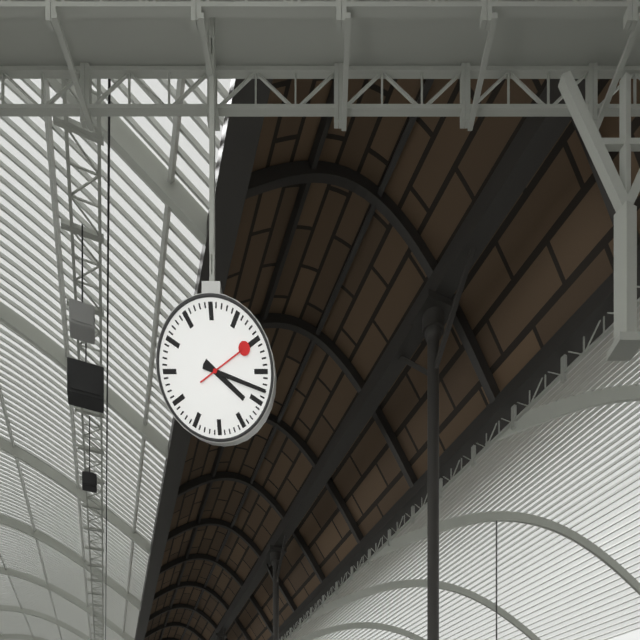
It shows 4:18:10
